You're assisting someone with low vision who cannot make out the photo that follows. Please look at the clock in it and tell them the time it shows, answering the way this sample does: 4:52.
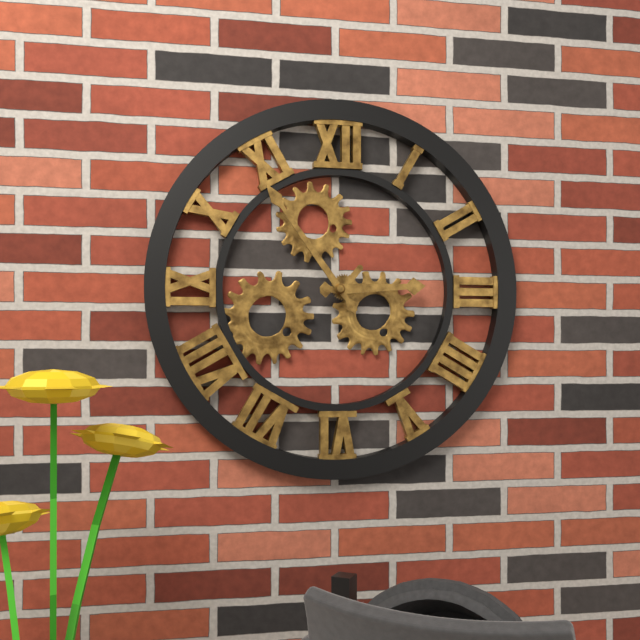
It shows 2:54
